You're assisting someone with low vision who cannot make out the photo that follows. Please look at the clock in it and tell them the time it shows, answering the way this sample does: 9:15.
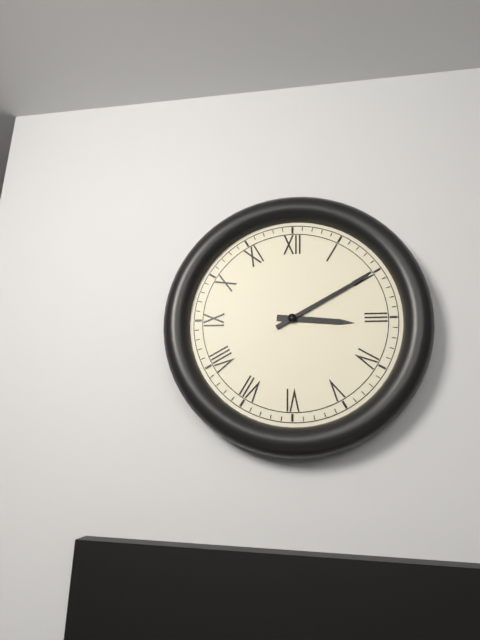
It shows 3:10
